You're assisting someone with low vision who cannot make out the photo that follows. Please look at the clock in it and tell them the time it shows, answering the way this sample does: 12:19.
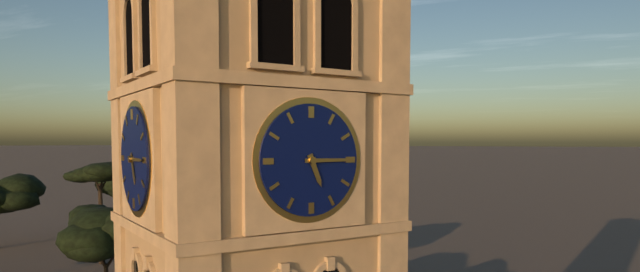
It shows 5:15
